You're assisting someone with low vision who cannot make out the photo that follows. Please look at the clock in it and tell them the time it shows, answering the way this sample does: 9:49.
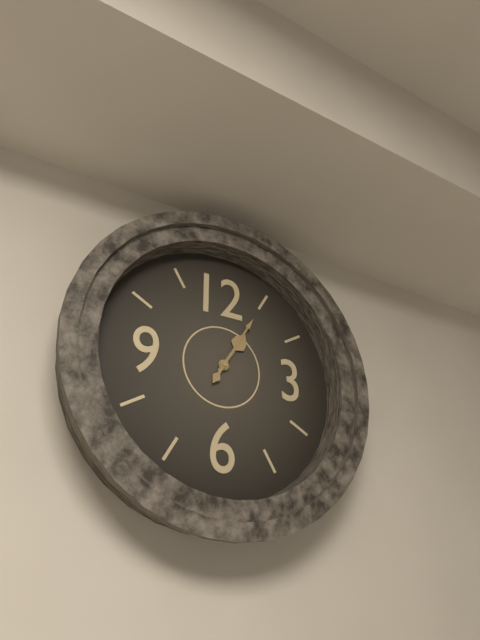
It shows 1:05
